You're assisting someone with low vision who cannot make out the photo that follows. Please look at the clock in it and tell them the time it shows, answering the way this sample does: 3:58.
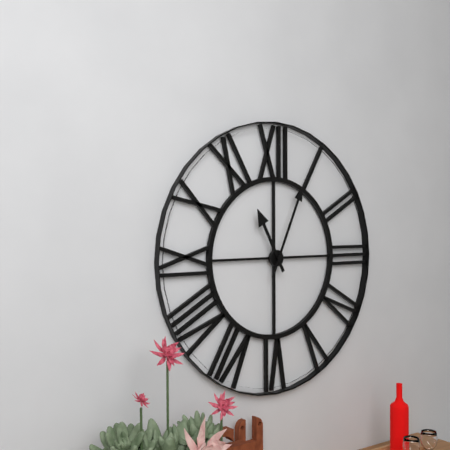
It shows 11:04
